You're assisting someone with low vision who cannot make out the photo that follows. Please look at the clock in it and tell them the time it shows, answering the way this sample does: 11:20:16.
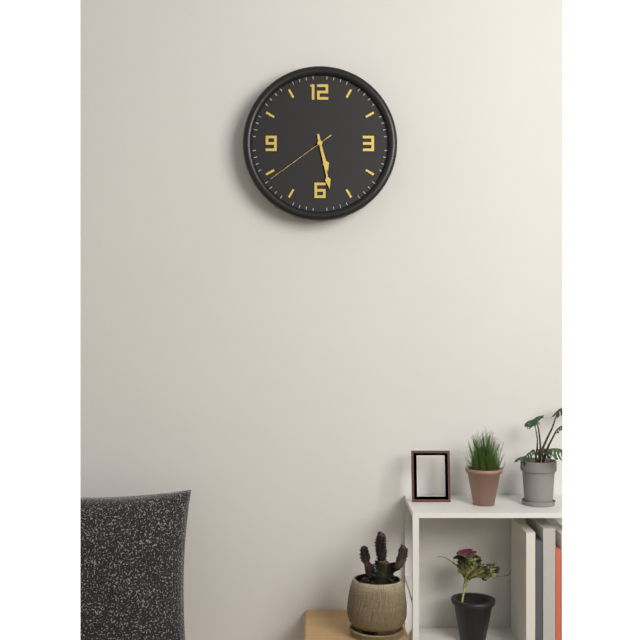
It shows 5:28:39
